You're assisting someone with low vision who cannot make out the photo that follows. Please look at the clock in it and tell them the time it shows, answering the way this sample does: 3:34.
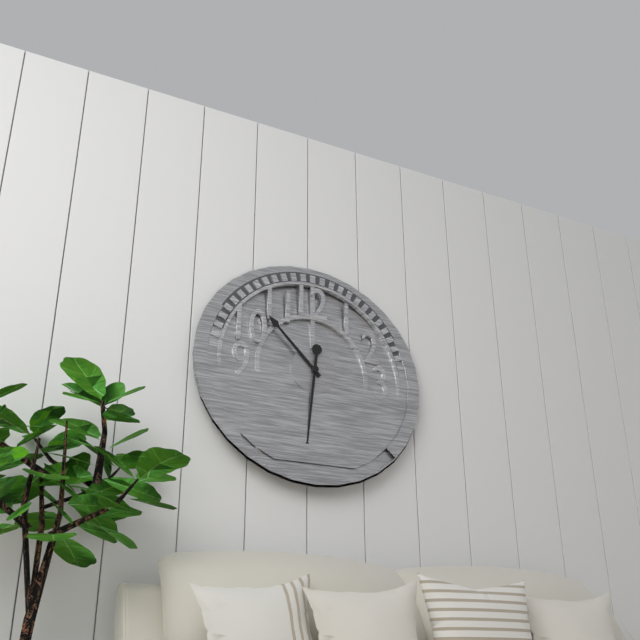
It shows 10:31
